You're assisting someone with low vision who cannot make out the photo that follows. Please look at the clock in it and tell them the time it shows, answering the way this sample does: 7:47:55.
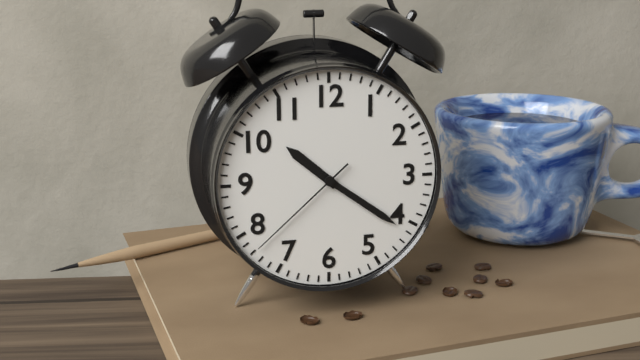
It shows 10:21:38
